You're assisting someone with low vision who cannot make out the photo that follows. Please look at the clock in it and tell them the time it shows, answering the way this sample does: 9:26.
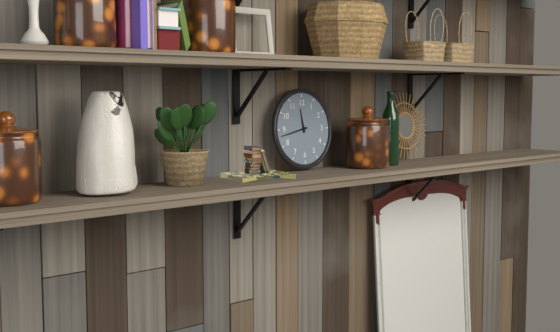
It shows 11:43
